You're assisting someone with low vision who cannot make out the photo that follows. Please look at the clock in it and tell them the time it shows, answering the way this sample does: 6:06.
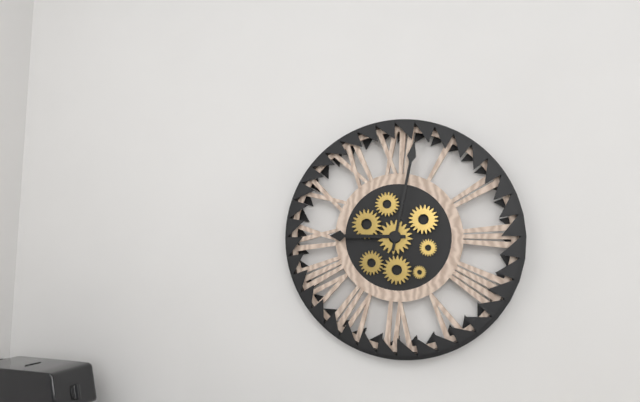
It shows 9:02
